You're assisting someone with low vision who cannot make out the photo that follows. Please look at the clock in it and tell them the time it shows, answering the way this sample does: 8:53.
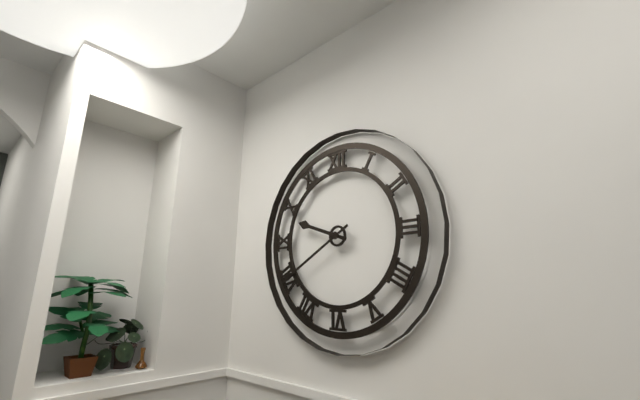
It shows 9:40
